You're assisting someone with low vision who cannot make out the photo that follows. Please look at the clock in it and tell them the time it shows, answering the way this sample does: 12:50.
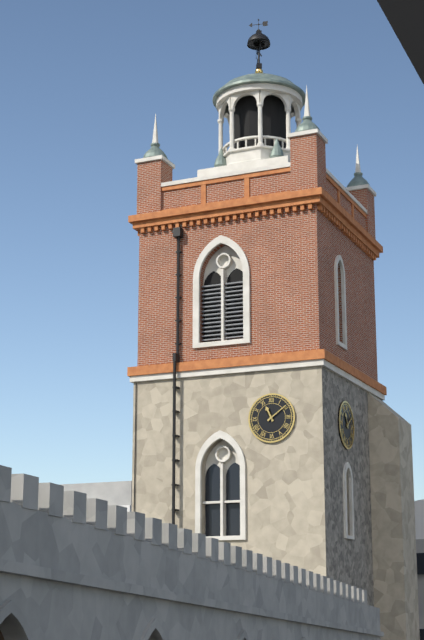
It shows 11:09
